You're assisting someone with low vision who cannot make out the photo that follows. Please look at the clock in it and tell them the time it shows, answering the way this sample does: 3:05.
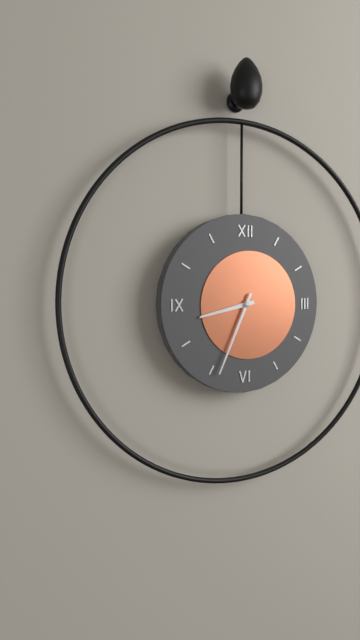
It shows 8:34
